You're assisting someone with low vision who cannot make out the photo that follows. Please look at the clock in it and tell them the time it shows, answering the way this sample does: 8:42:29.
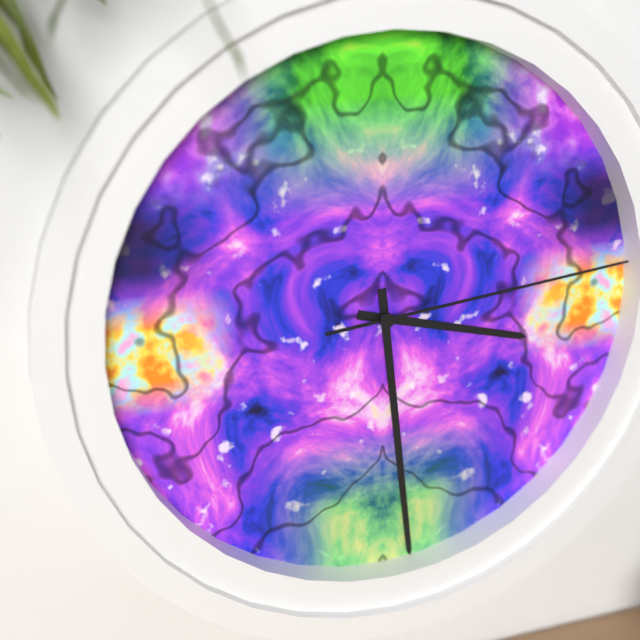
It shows 3:29:14
